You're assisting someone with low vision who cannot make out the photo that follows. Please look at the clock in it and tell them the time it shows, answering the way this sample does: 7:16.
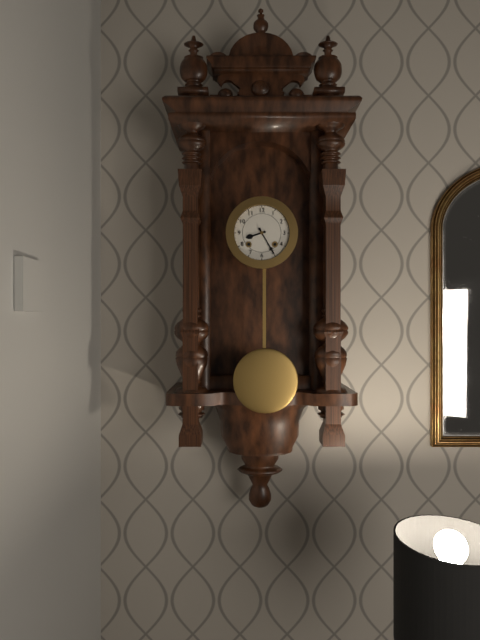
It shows 8:25
